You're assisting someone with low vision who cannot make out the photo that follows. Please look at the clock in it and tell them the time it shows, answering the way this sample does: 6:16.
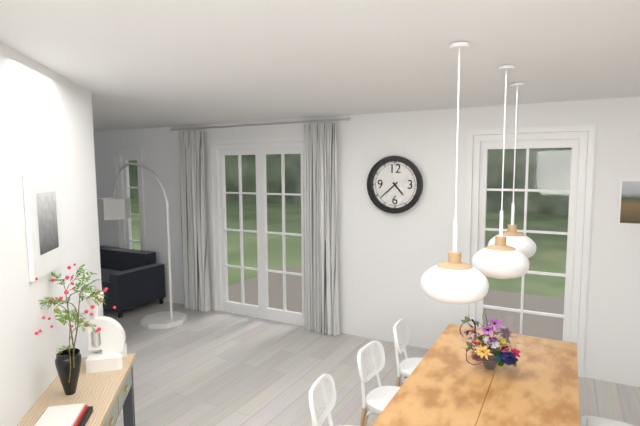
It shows 4:38
